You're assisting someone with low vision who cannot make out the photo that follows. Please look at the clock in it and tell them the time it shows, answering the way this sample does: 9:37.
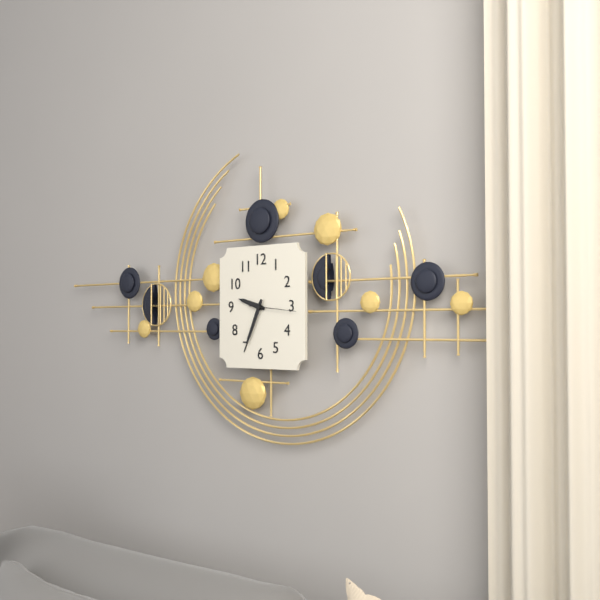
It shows 9:34
